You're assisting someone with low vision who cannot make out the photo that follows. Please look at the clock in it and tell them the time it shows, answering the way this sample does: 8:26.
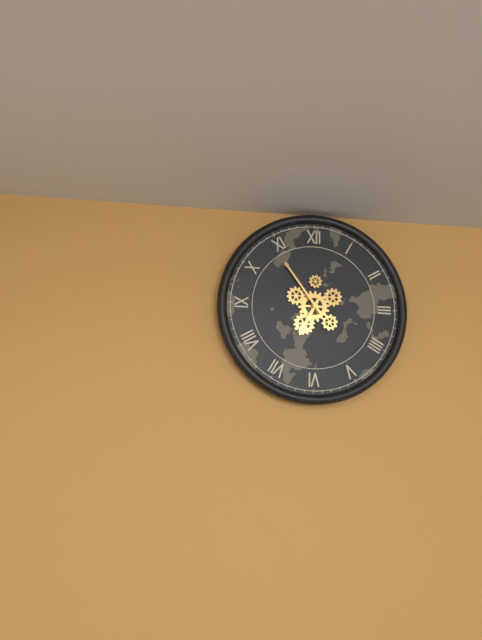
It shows 6:54
